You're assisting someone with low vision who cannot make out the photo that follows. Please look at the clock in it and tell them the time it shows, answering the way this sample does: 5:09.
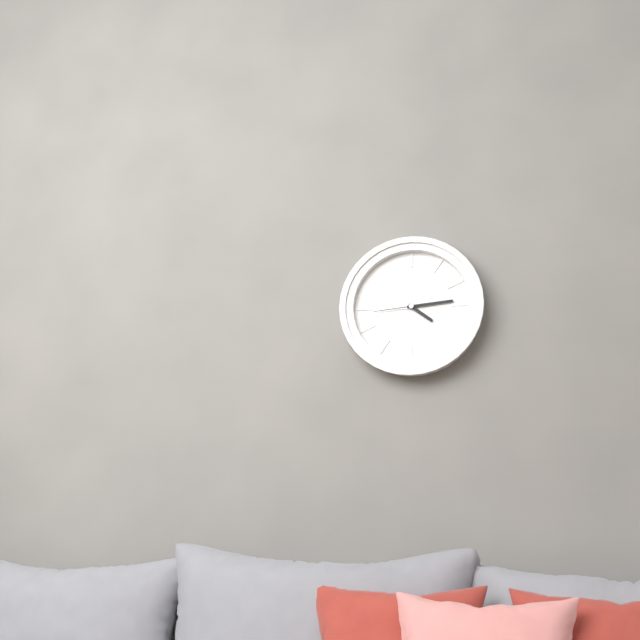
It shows 4:14
